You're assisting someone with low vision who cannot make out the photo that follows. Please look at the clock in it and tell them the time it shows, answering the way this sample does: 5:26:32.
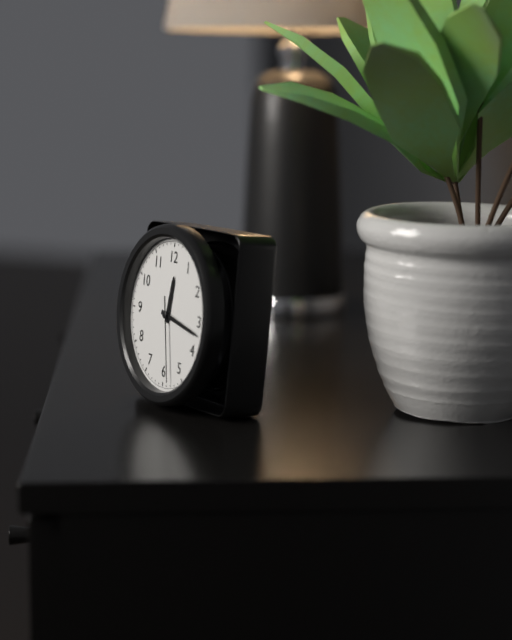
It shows 12:17:28
